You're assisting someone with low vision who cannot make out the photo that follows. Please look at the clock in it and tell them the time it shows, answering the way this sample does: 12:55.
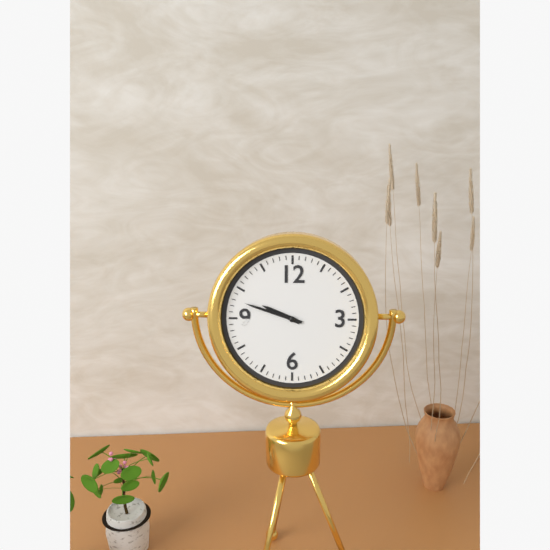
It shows 9:48
